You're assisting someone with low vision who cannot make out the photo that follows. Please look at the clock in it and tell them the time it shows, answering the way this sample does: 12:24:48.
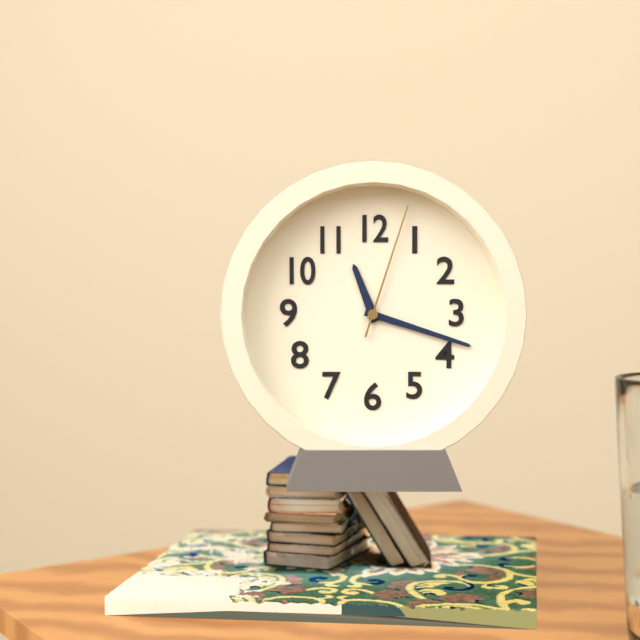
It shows 11:18:03
